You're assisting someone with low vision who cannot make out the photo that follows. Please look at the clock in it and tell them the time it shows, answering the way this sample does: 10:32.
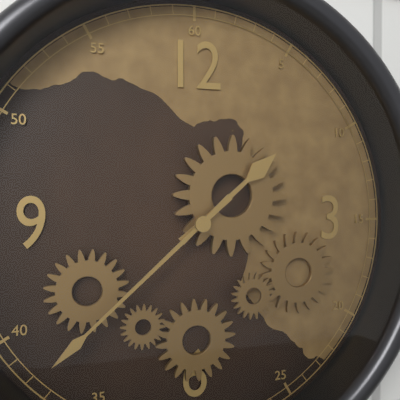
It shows 1:38
